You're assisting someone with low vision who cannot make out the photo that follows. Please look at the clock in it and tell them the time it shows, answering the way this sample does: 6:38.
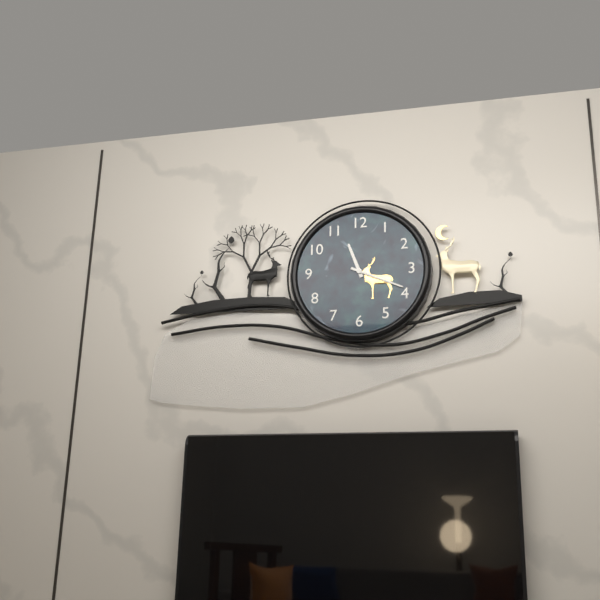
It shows 11:19
